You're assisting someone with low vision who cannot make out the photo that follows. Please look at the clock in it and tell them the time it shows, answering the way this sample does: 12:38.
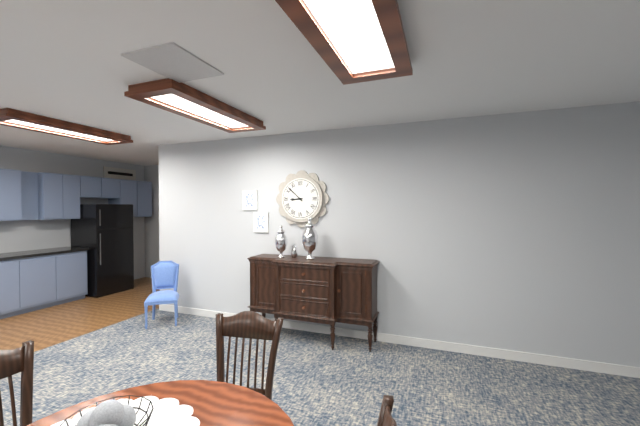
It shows 8:52
